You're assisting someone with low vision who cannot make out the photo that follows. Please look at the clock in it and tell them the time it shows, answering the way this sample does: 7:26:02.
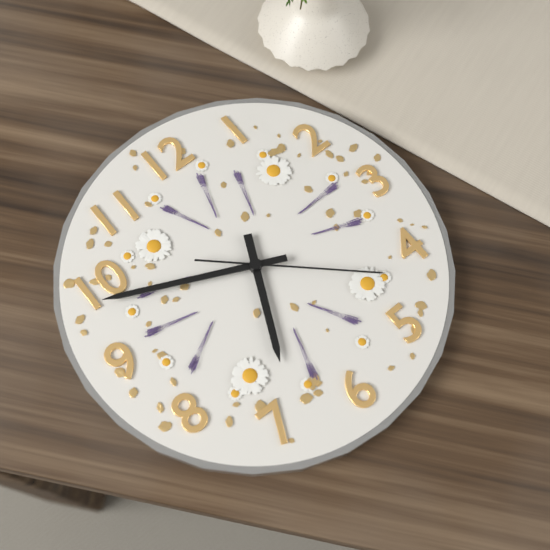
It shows 6:49:22
